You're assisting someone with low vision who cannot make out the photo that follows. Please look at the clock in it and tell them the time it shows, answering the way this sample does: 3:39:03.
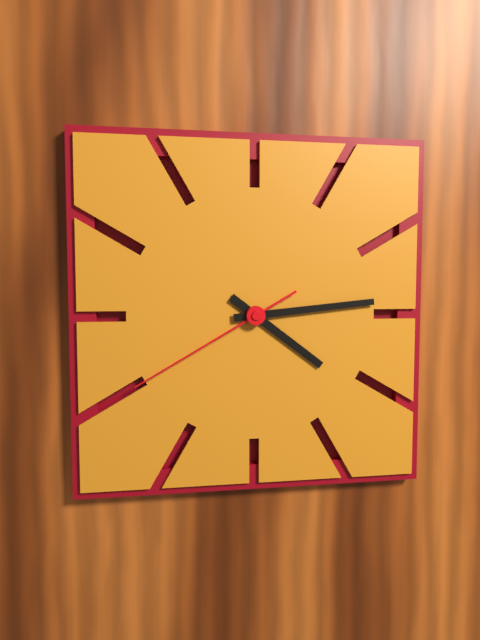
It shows 4:14:40
